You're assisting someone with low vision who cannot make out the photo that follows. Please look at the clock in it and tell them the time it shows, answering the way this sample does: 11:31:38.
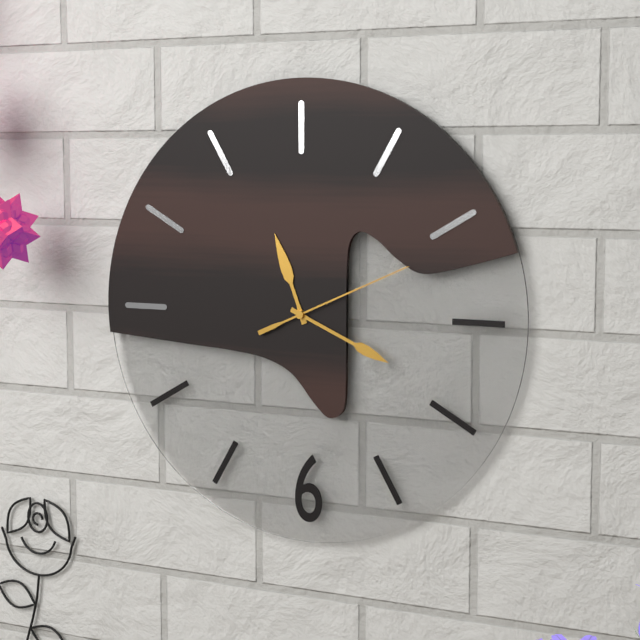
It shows 11:19:11
